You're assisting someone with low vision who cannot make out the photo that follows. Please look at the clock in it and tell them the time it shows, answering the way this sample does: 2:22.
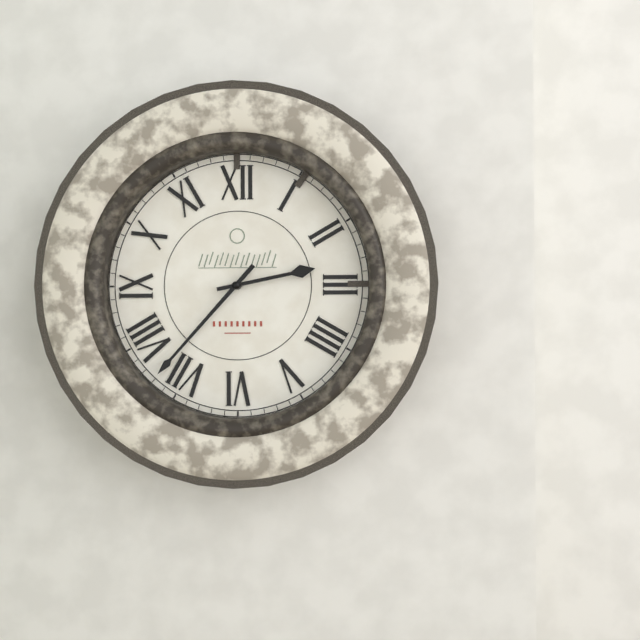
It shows 2:37
